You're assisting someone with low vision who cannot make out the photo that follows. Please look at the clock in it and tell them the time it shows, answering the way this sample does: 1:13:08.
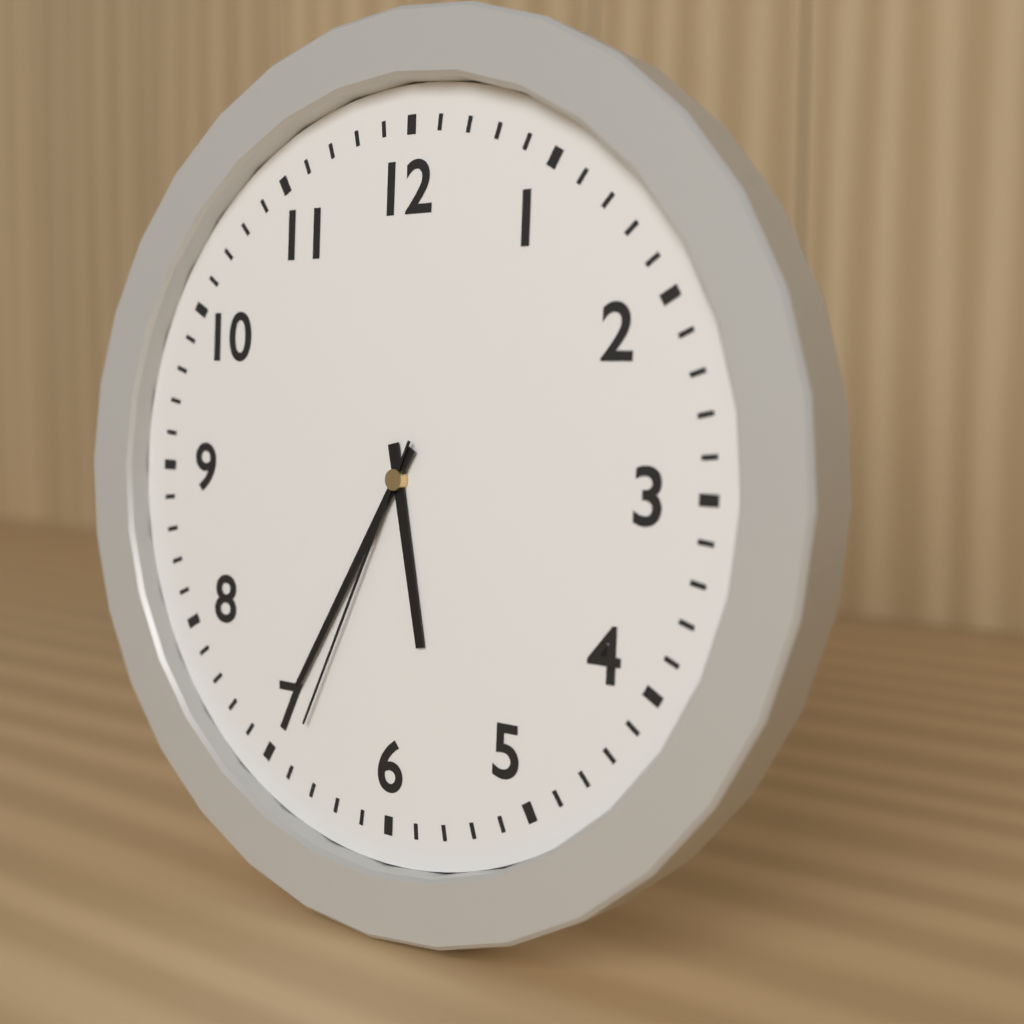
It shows 5:35:34
